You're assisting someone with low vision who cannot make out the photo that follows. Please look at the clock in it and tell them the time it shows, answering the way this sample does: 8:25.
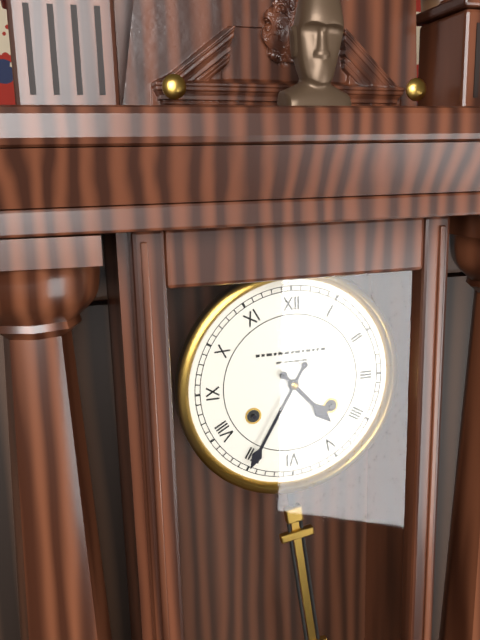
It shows 4:35
